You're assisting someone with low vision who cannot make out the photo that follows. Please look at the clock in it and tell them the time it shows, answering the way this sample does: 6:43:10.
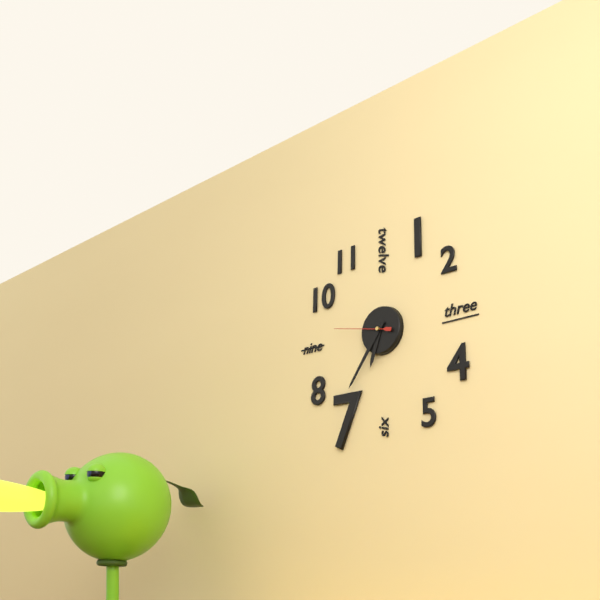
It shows 6:36:47
